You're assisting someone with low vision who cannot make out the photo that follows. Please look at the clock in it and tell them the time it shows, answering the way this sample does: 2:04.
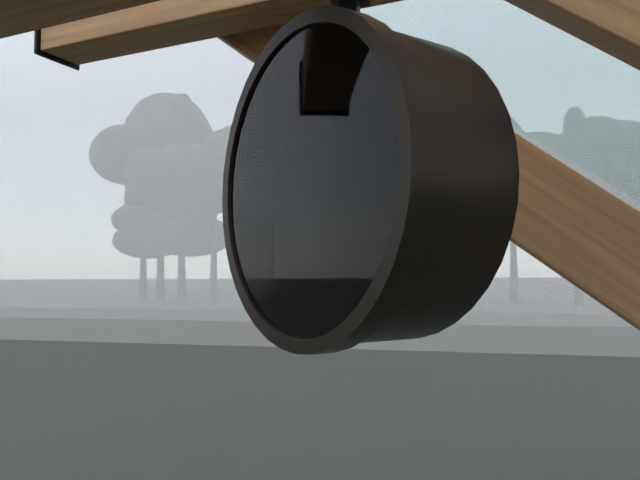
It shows 12:56
